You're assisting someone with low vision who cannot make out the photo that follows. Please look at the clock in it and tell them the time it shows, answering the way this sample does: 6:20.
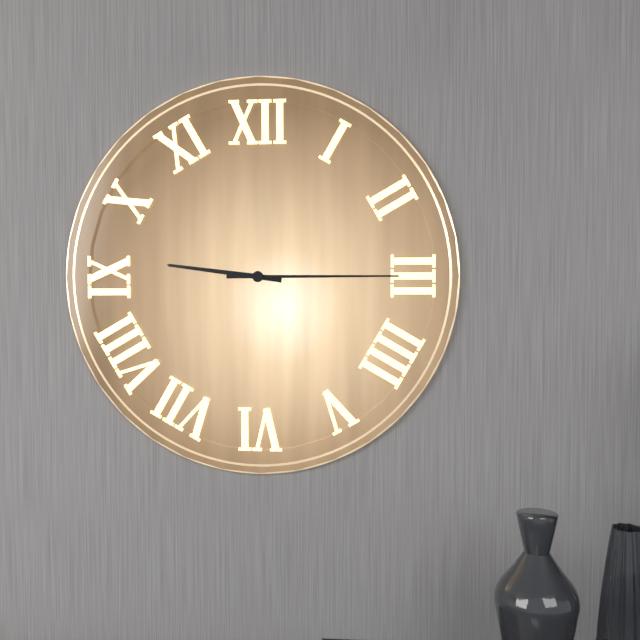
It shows 9:15
